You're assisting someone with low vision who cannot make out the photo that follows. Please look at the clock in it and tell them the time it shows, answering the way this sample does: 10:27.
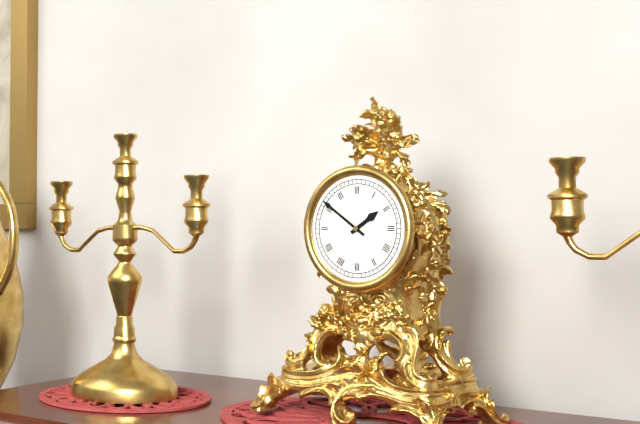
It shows 1:51
